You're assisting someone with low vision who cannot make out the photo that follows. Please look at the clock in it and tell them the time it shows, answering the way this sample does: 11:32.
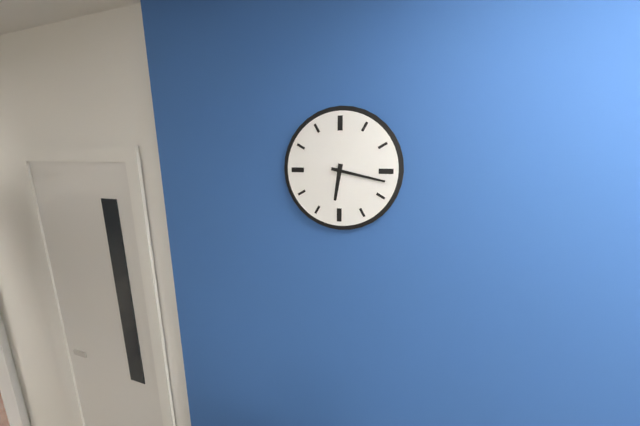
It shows 6:17
